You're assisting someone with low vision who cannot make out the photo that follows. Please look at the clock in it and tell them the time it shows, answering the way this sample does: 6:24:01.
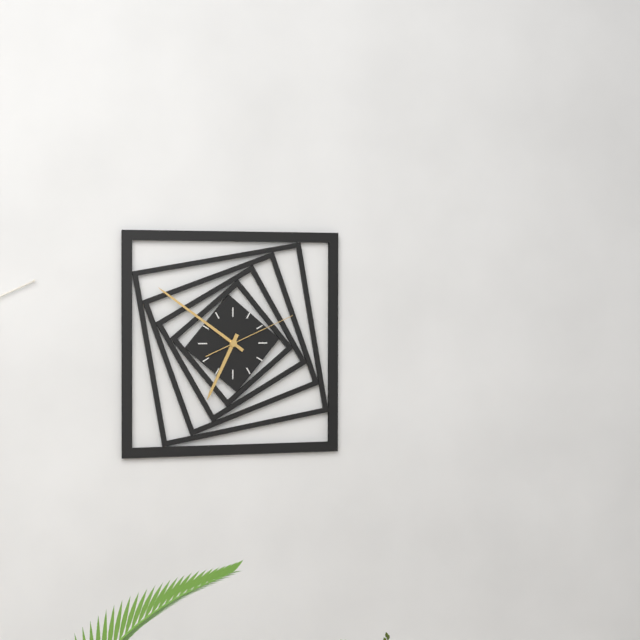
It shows 6:51:11
